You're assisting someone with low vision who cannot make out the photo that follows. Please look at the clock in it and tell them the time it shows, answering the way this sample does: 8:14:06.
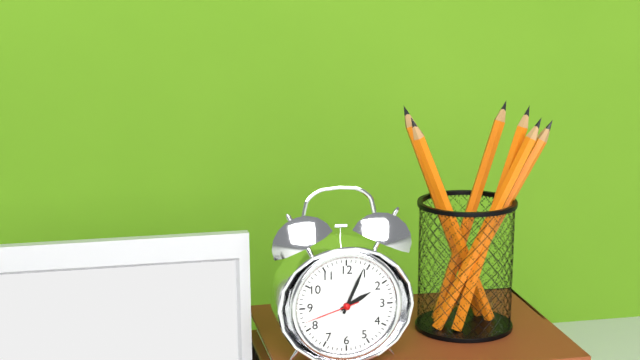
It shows 2:04:42
